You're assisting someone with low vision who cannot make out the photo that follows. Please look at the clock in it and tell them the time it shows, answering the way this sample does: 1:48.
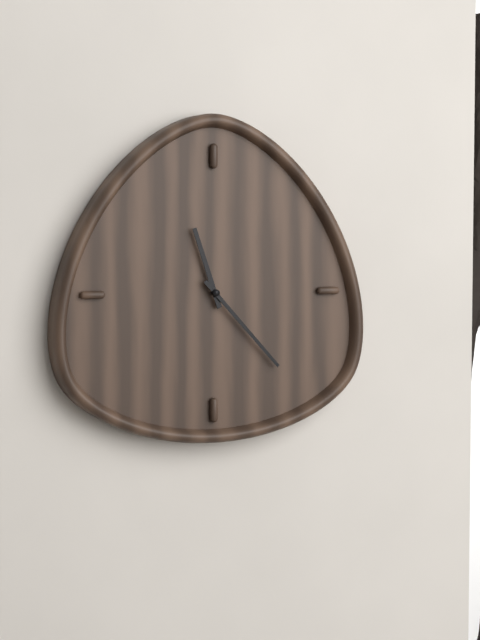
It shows 11:23
